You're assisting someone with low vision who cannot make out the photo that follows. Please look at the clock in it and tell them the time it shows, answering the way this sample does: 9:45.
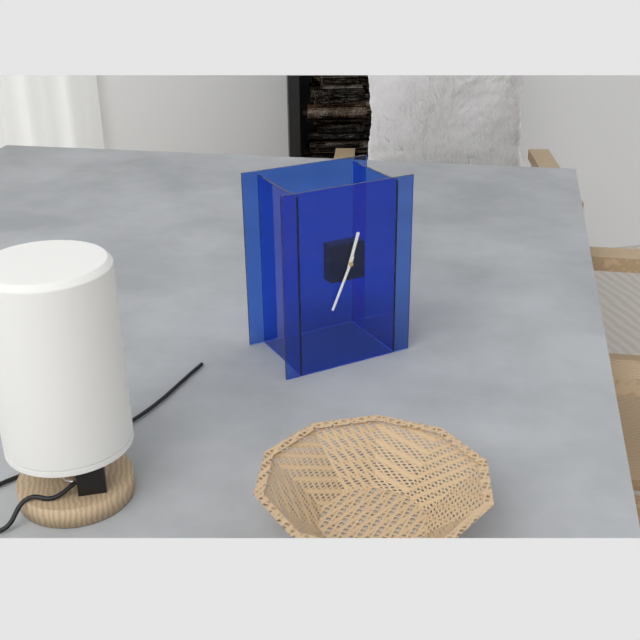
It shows 12:34
